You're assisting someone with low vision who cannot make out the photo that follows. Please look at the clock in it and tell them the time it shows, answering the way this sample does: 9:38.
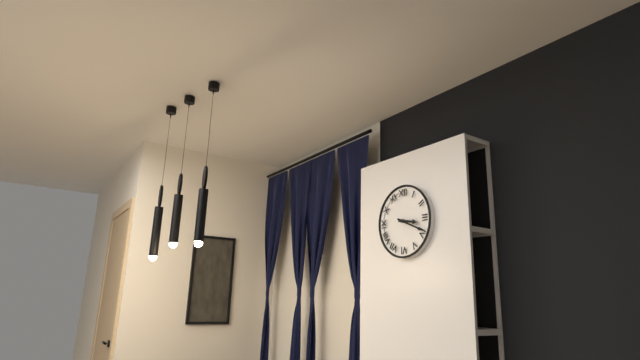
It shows 3:19
